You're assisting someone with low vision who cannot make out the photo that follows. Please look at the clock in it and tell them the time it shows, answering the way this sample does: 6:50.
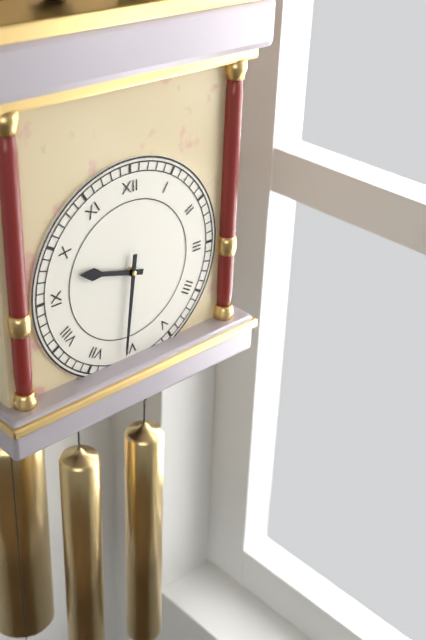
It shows 9:31
